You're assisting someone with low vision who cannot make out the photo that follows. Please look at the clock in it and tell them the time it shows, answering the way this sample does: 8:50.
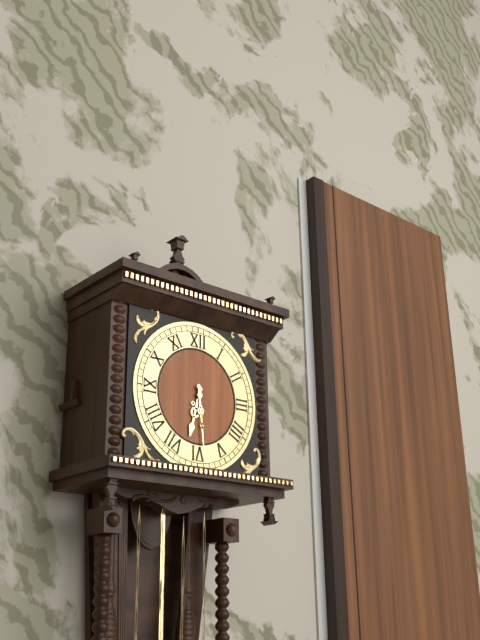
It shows 6:29
